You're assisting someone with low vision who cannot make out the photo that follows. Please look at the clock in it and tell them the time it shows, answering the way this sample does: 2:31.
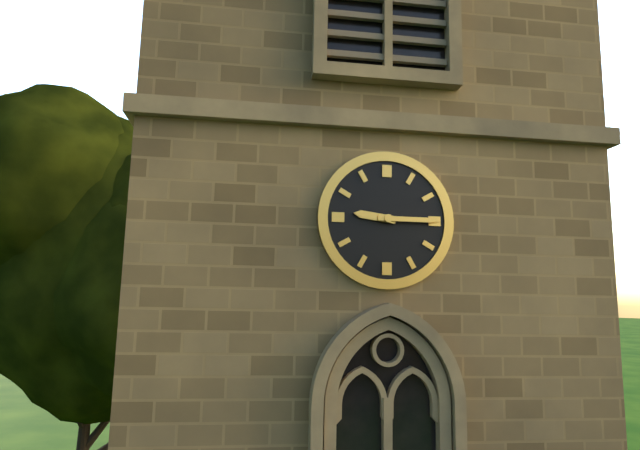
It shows 9:15
